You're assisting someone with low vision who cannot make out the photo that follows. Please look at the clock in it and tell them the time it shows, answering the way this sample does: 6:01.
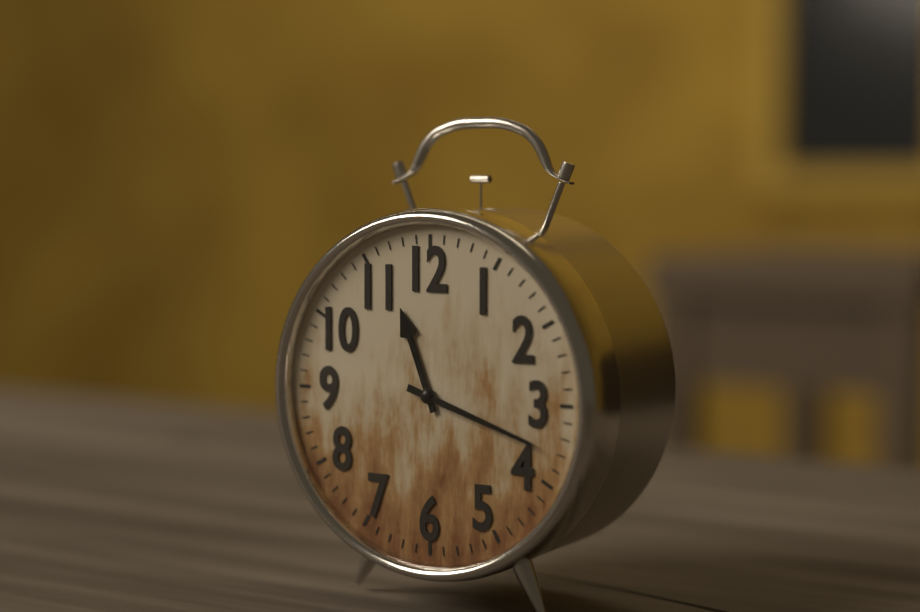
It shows 11:18
